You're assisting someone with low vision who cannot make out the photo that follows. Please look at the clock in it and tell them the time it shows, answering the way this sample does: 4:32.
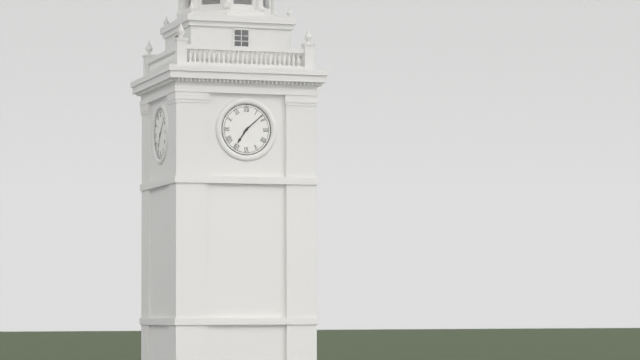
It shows 7:08
